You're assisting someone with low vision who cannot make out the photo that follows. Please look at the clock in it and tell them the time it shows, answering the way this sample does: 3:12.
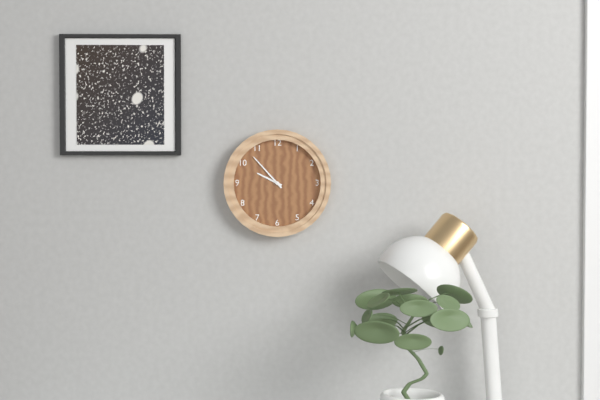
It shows 9:53
